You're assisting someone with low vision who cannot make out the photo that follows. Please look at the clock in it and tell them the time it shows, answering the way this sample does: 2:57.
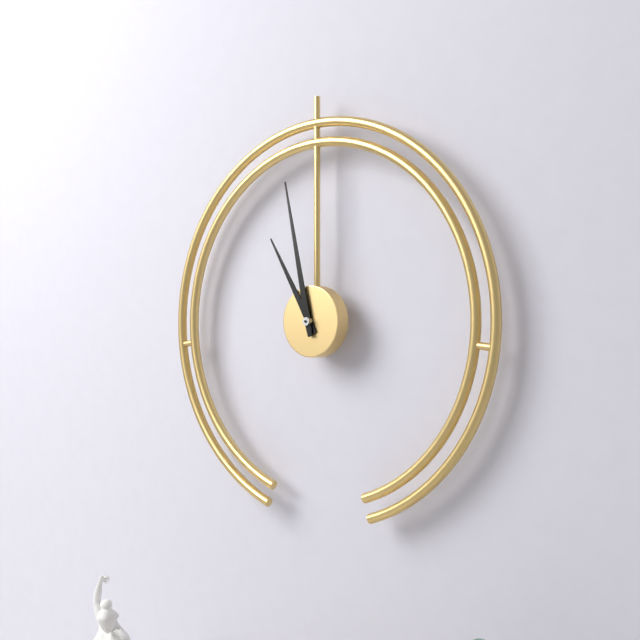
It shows 10:58
